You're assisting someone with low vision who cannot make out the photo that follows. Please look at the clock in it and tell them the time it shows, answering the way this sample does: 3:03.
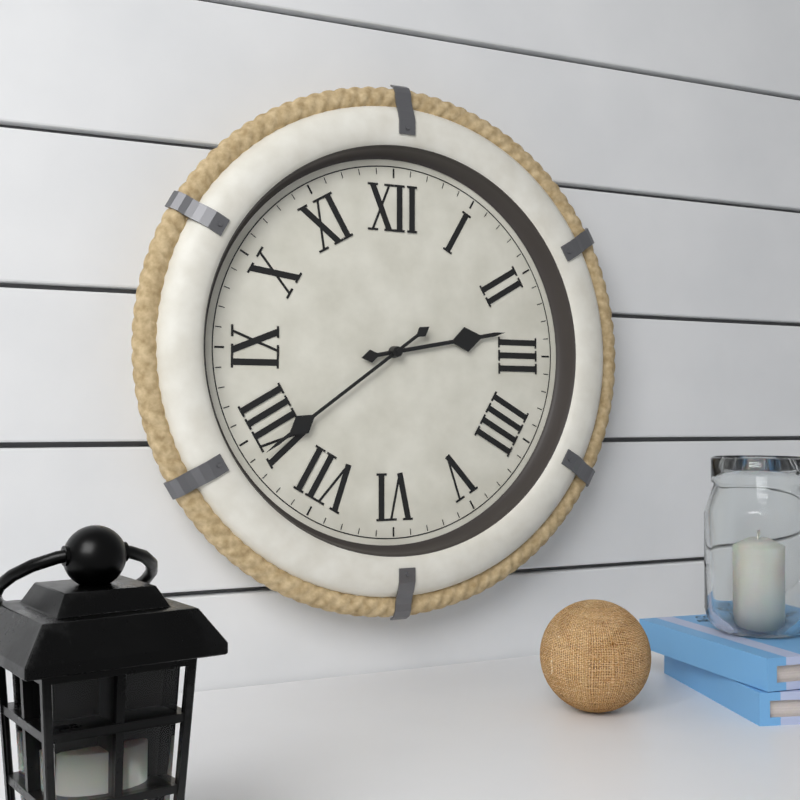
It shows 2:39
